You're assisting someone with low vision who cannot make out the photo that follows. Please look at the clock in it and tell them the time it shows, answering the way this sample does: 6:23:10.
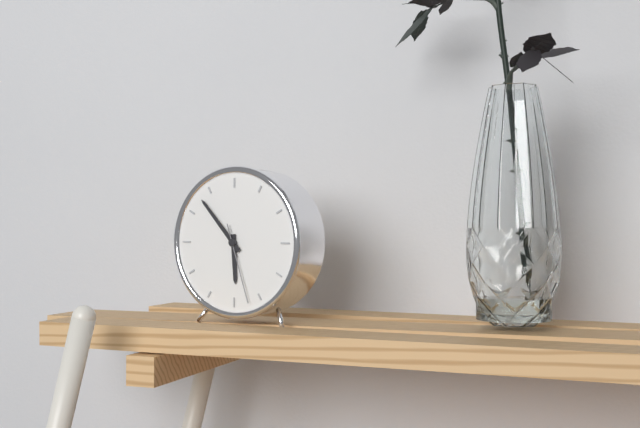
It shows 5:53:27
